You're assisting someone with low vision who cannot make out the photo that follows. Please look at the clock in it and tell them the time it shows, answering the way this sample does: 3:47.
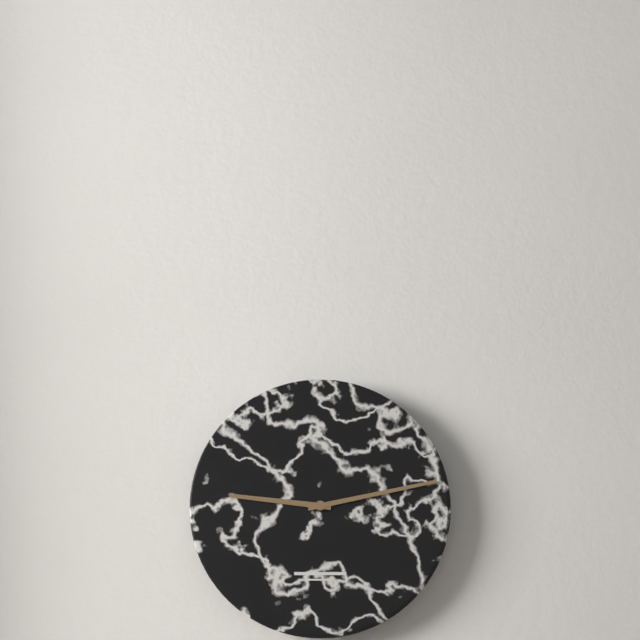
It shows 9:13
